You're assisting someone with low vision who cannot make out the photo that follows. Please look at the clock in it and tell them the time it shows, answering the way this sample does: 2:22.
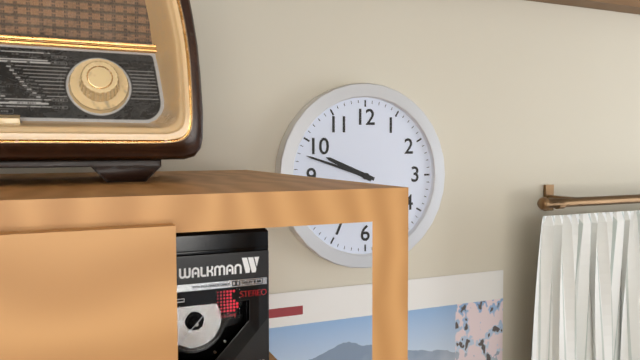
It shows 9:48
